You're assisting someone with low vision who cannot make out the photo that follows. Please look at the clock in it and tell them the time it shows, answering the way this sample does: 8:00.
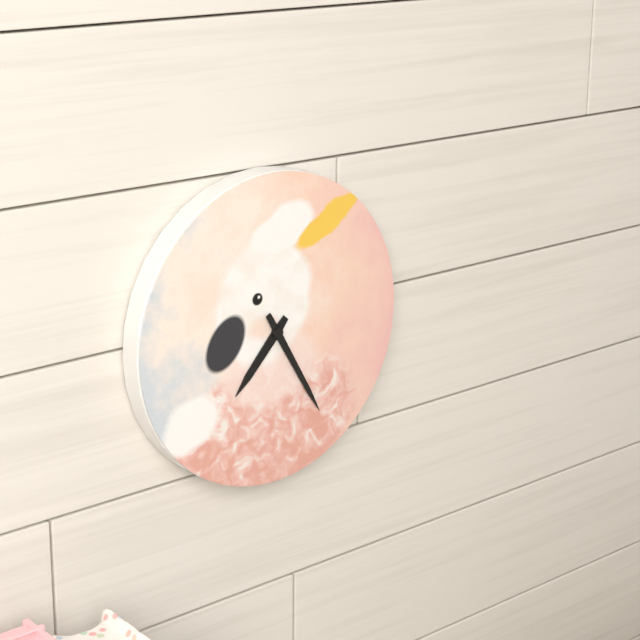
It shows 7:25
